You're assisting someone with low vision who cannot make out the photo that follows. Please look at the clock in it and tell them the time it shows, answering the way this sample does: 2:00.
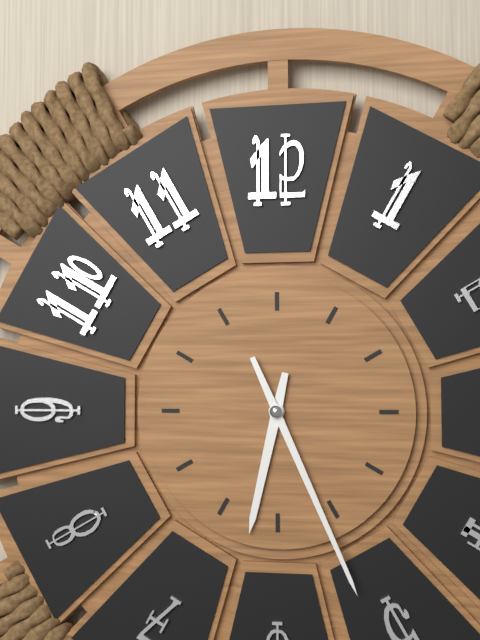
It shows 6:26
